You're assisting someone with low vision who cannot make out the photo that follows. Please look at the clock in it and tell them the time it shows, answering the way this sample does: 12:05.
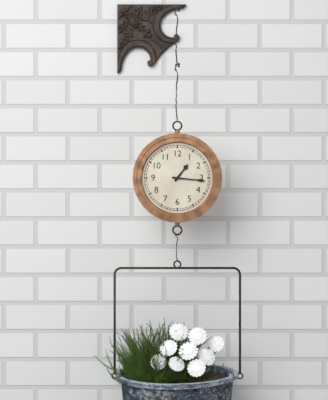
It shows 1:16
